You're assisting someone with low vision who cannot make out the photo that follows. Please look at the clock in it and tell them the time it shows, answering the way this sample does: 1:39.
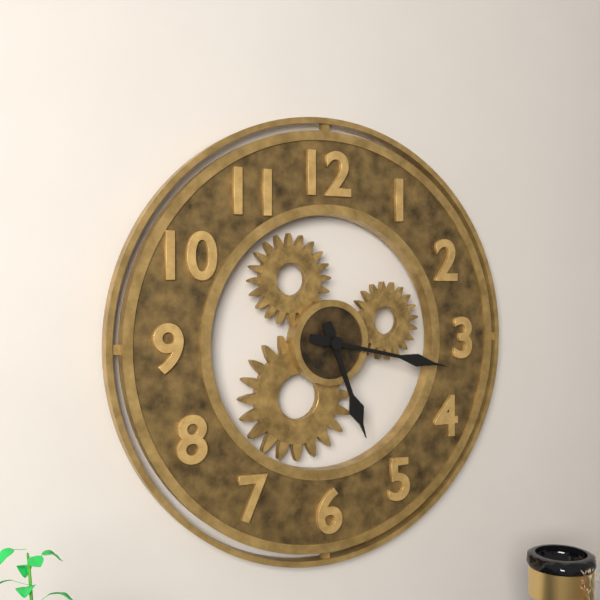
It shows 5:17
